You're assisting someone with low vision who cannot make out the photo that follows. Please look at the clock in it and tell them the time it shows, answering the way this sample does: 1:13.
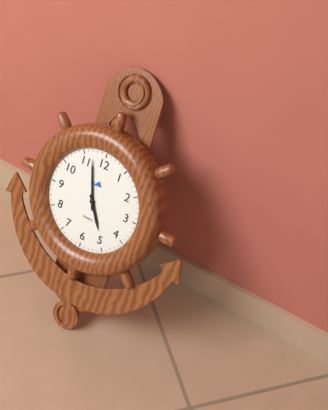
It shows 4:57
